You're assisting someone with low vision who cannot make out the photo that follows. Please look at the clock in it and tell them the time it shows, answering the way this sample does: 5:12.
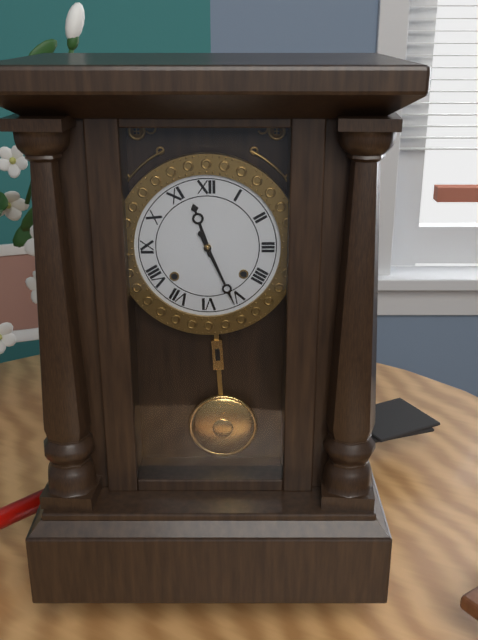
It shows 11:26
